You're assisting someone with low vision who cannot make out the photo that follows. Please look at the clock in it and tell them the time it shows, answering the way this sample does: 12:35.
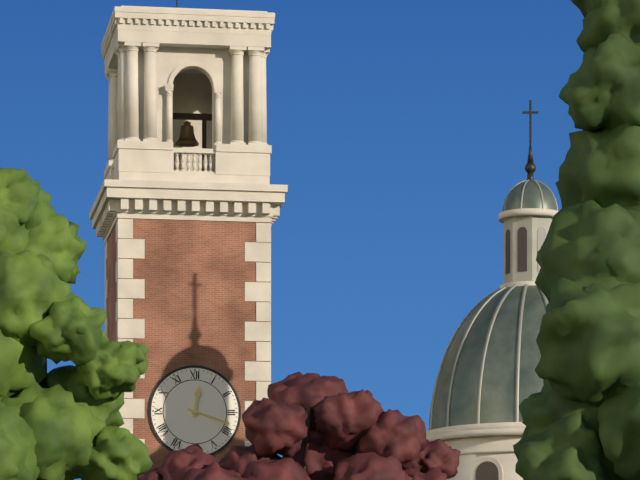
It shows 12:18
